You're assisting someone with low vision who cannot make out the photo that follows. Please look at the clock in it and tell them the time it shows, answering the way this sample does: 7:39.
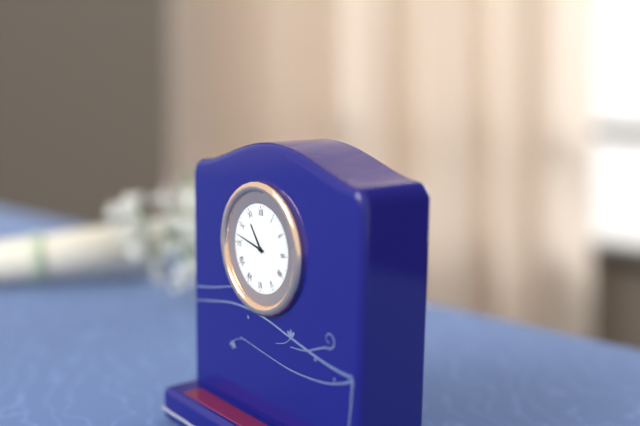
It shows 10:47
